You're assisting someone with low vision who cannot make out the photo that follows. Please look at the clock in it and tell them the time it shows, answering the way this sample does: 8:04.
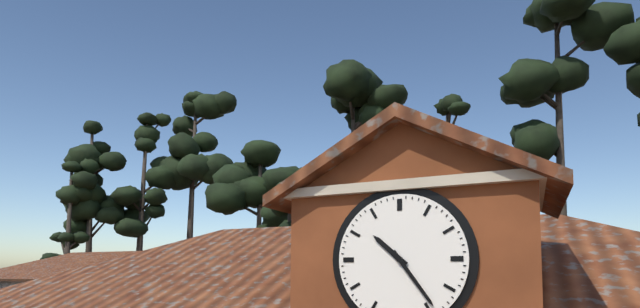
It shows 10:24
